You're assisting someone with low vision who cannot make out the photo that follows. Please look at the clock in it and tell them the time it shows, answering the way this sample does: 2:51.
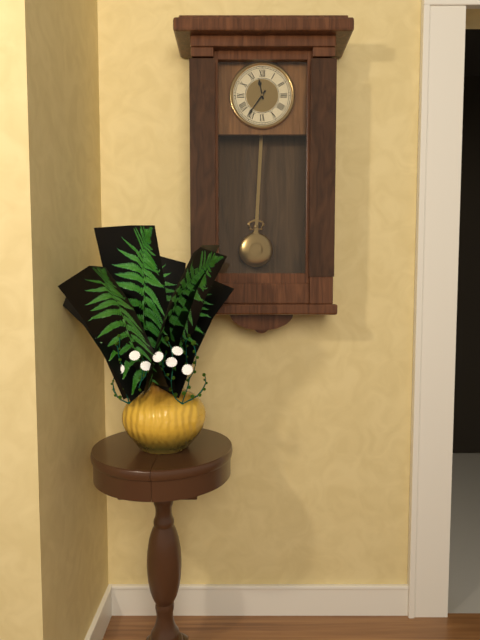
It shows 11:36
